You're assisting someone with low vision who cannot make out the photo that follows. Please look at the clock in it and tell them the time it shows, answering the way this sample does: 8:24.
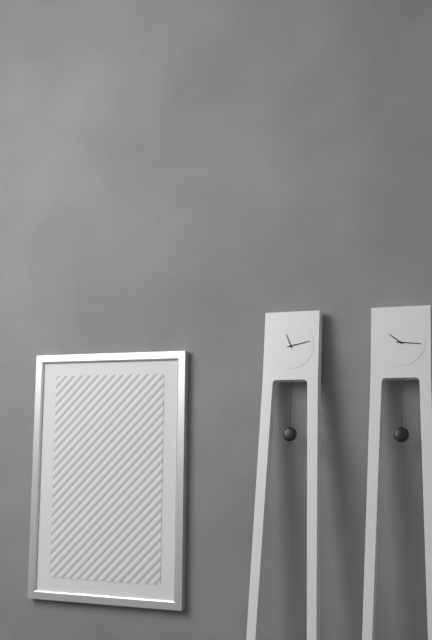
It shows 11:13
